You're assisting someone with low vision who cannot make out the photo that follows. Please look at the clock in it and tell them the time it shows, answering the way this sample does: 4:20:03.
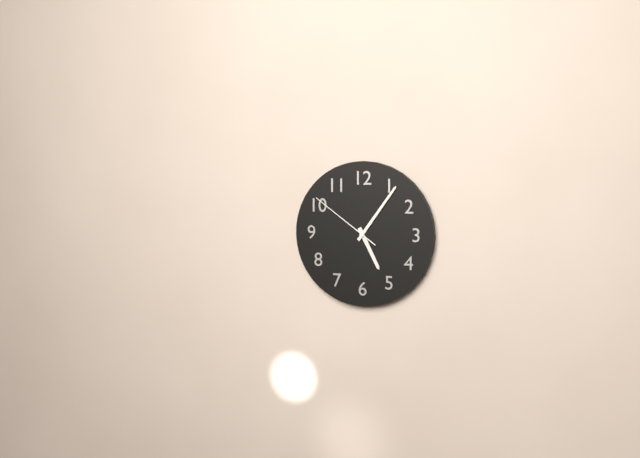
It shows 5:06:51
